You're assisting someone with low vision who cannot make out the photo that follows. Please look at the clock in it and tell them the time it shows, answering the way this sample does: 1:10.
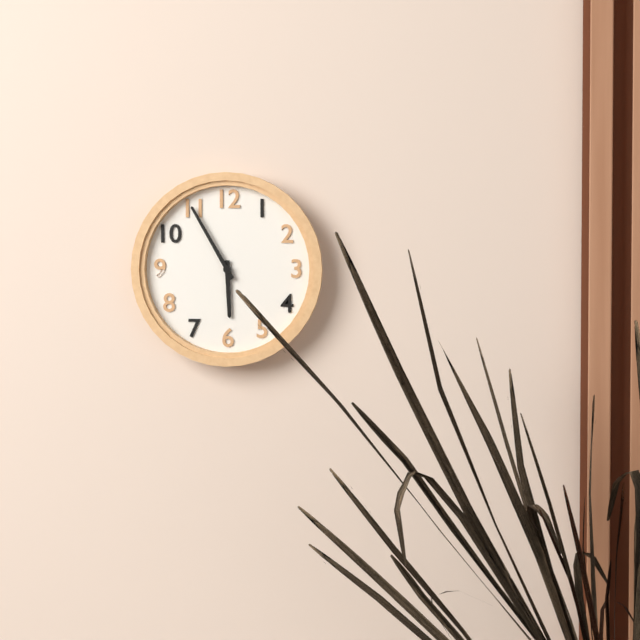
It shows 5:55
